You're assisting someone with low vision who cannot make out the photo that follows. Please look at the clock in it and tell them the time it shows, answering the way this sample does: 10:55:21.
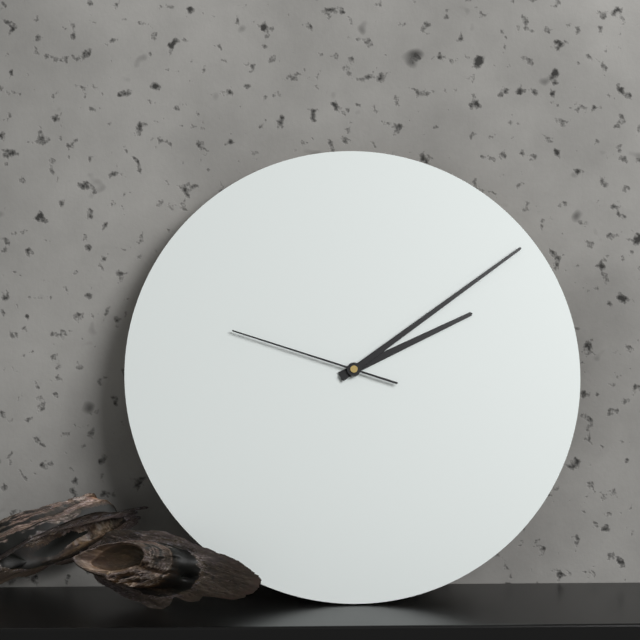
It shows 2:09:48
